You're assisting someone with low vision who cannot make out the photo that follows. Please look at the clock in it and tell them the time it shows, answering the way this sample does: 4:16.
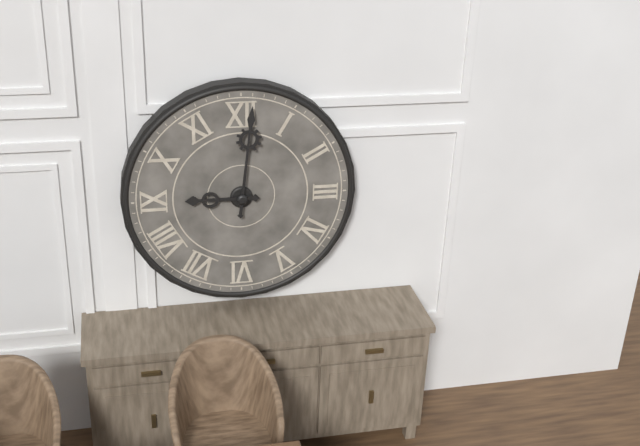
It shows 9:01
